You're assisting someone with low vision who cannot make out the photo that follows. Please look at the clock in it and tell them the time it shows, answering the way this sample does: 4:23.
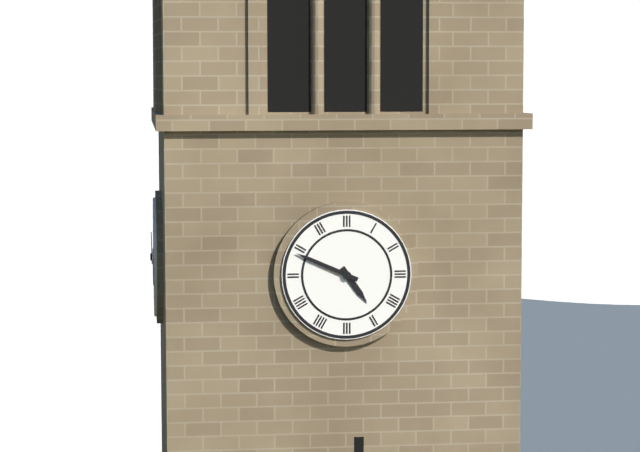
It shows 4:49
